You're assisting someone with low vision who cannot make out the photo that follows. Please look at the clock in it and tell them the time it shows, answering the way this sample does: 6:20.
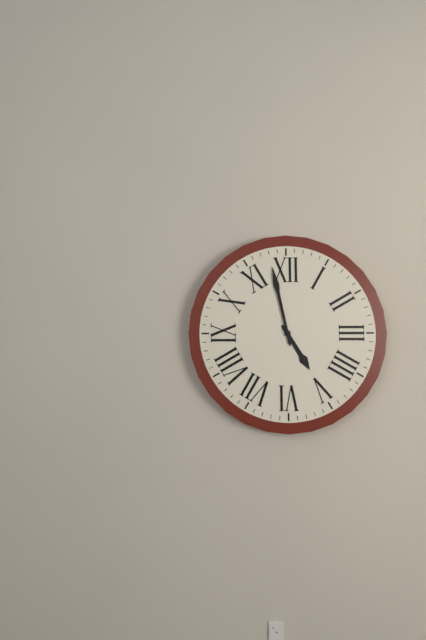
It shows 4:58
